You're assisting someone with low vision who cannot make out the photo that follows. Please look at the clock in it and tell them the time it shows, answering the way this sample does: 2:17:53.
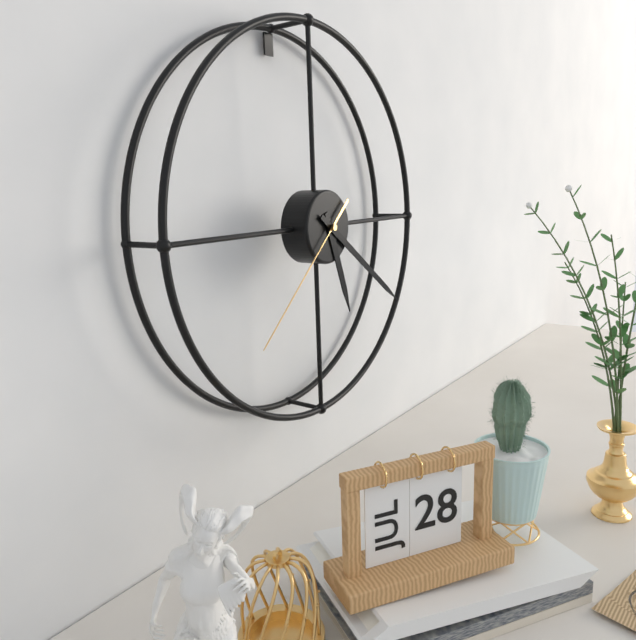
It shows 5:21:38
